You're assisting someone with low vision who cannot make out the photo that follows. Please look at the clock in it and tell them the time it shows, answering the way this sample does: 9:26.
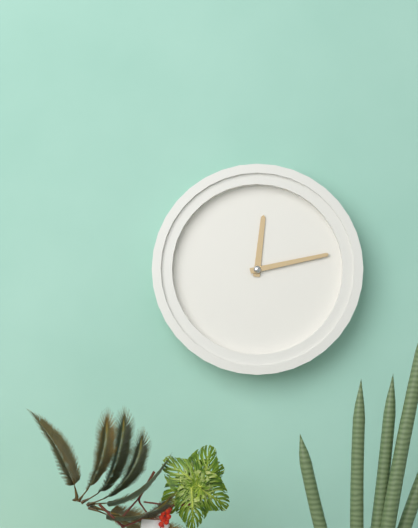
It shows 12:13
